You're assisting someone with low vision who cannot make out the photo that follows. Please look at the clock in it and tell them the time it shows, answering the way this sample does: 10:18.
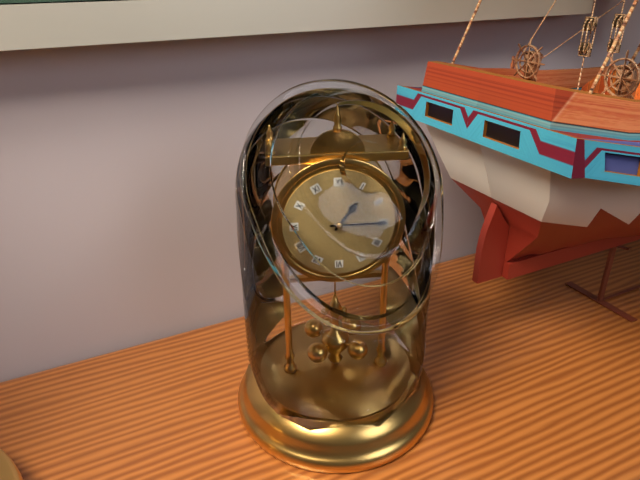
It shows 1:15
